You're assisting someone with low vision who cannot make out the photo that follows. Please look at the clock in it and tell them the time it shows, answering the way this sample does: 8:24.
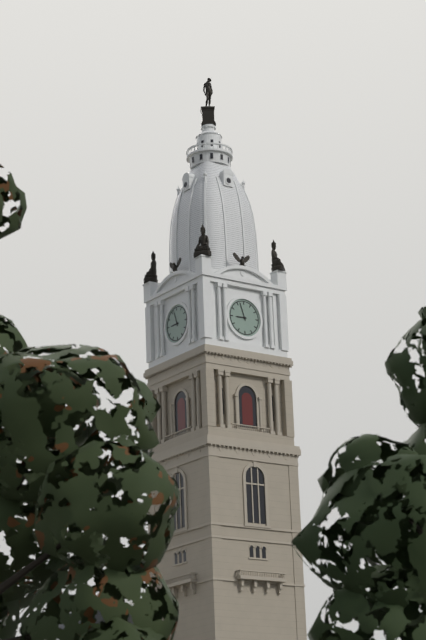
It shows 8:57
